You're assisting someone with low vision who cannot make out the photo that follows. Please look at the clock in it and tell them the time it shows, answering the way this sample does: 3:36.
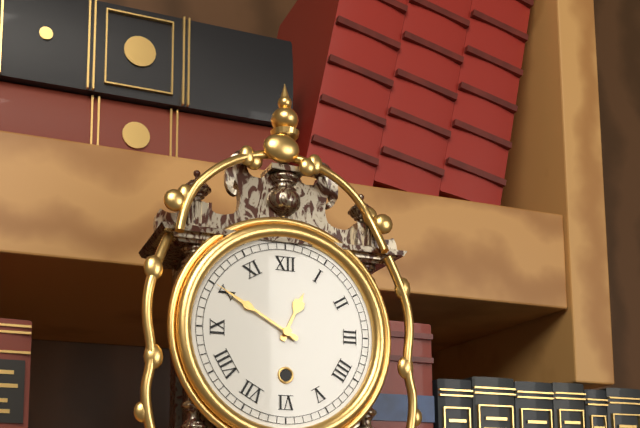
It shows 12:50
